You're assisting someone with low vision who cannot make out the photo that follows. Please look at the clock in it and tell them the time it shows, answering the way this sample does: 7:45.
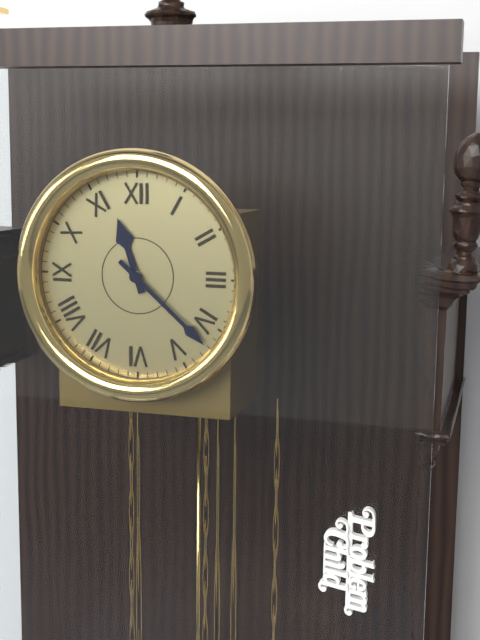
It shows 11:22
